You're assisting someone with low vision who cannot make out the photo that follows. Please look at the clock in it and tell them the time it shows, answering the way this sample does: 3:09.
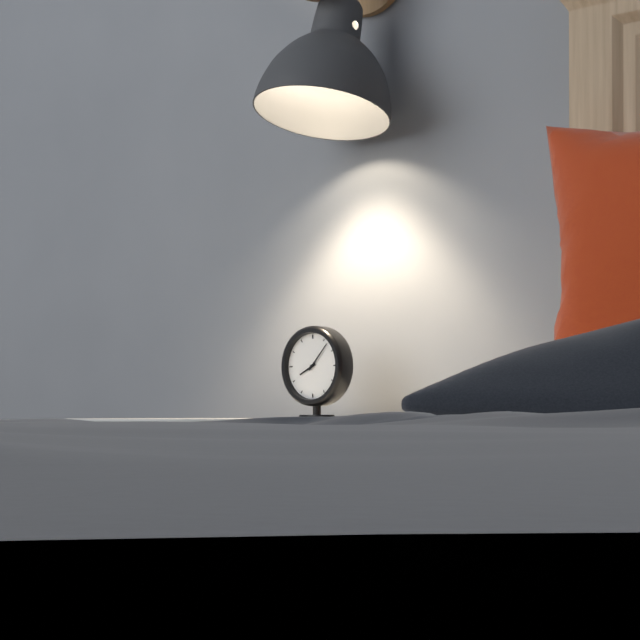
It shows 8:07
